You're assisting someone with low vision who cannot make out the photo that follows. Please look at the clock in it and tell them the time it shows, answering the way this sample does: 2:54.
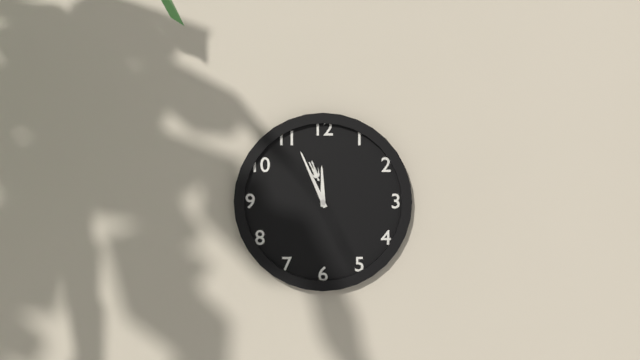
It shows 11:56
